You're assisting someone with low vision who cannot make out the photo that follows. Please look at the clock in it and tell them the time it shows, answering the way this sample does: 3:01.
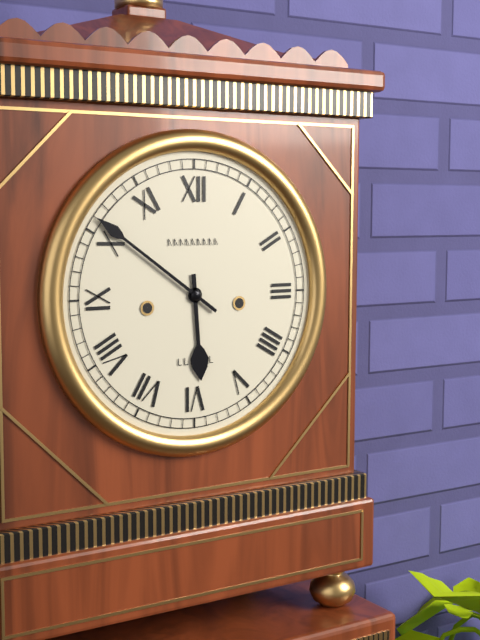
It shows 5:51
